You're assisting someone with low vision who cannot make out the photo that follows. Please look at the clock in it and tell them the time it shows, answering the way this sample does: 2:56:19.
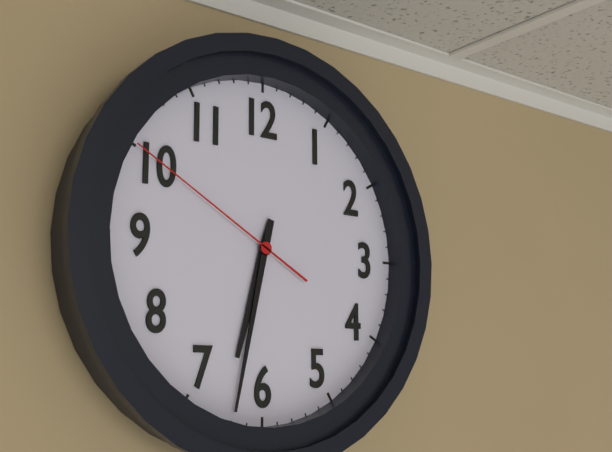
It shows 6:32:50
